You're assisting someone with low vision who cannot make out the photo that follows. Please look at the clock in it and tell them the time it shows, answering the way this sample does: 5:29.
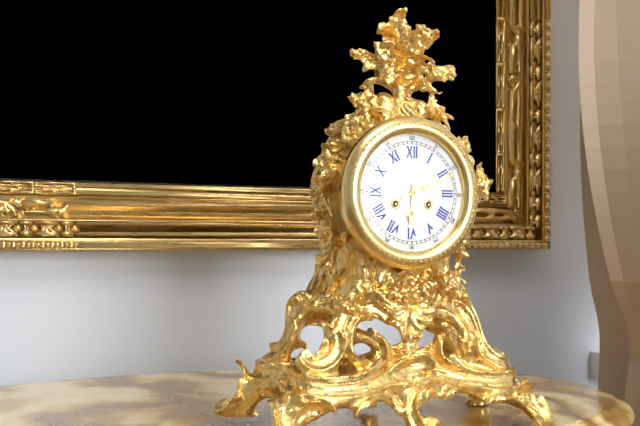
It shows 6:11
